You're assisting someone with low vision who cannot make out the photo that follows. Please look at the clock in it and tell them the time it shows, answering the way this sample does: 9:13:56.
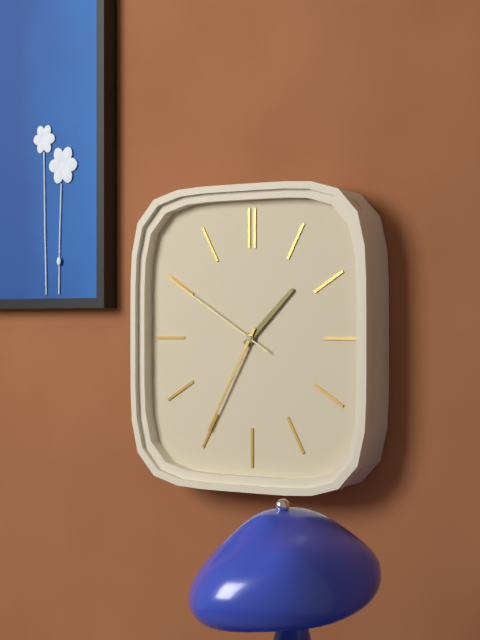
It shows 1:35:50
